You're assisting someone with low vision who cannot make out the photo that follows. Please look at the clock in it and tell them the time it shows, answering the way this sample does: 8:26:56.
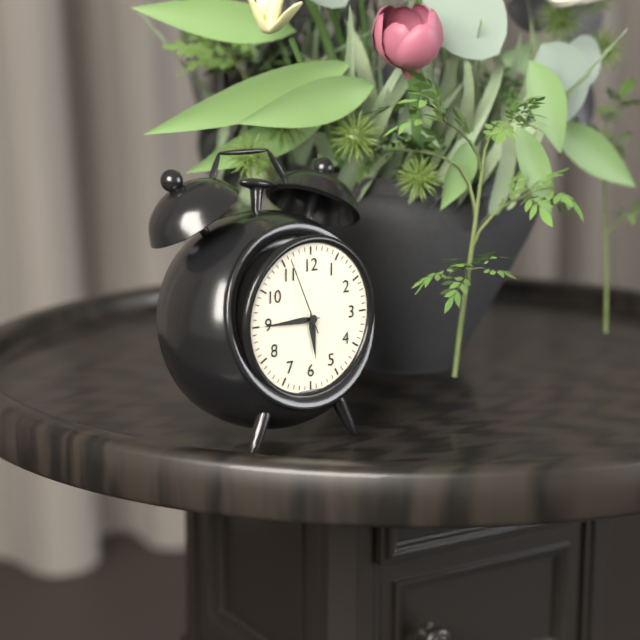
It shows 5:45:56
